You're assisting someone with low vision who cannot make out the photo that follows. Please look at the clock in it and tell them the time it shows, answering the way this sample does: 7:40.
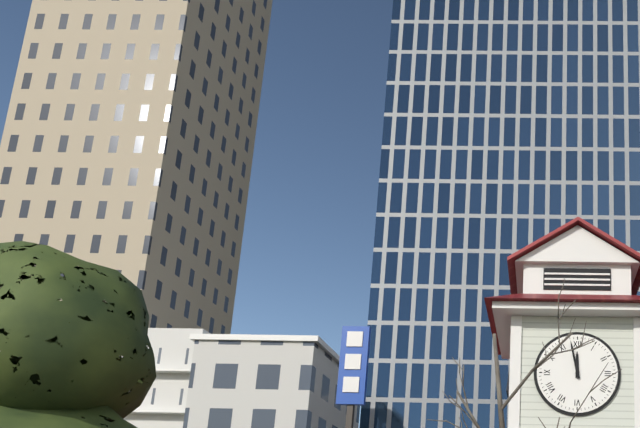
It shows 11:58
